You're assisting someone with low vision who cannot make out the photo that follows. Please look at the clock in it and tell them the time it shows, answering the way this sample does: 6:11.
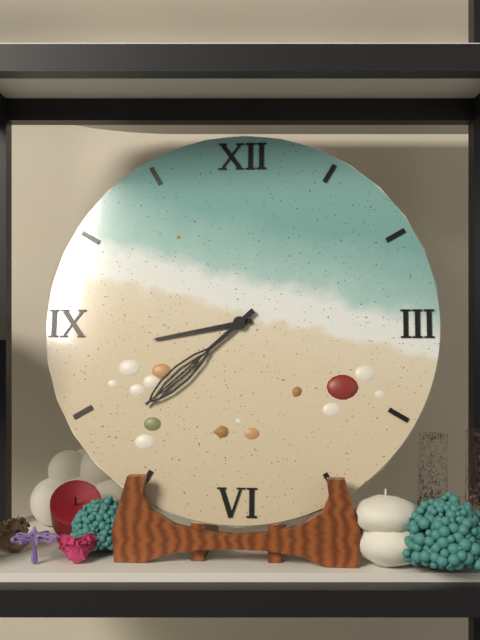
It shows 8:38
